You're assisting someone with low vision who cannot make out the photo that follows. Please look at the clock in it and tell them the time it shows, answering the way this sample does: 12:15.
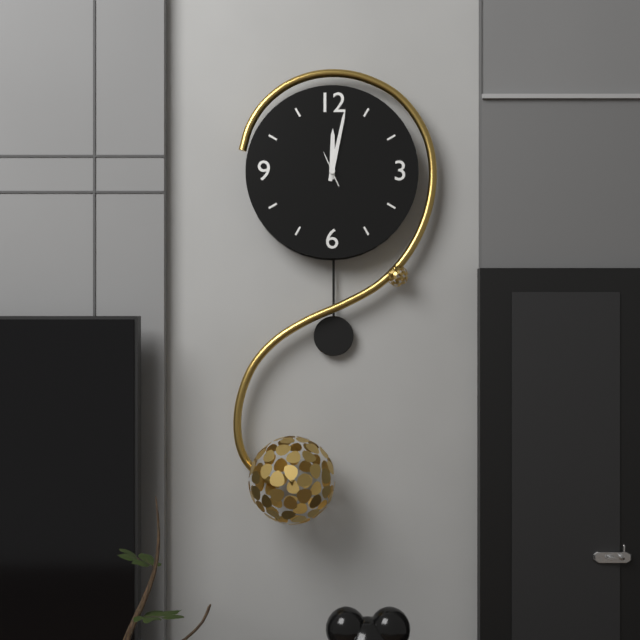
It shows 12:02
